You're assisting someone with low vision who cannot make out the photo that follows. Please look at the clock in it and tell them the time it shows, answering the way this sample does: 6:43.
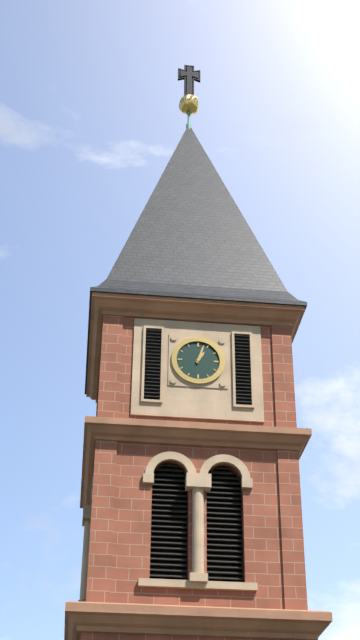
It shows 1:03
